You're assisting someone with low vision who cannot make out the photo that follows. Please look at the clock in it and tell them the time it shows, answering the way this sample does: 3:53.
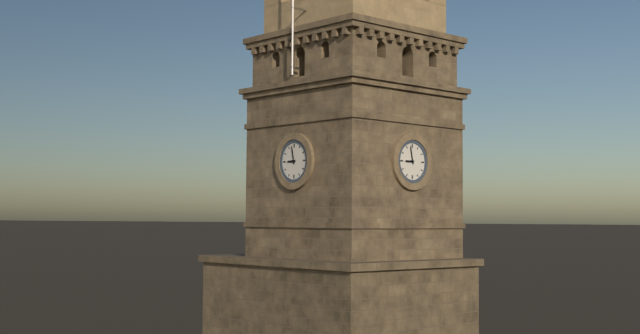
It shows 8:58
